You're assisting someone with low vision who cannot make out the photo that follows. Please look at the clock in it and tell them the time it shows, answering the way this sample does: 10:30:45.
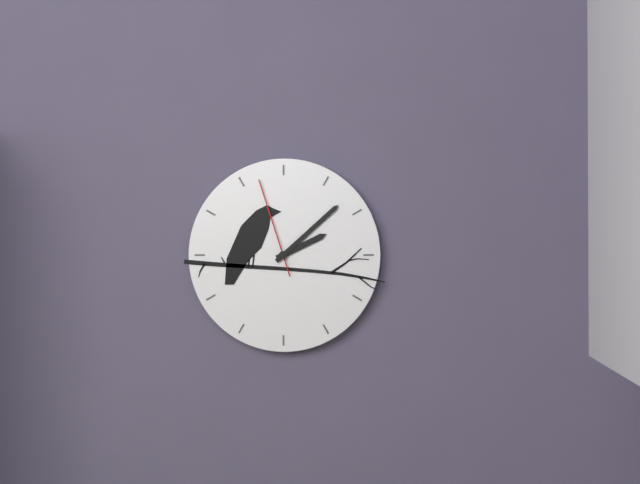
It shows 2:08:57
